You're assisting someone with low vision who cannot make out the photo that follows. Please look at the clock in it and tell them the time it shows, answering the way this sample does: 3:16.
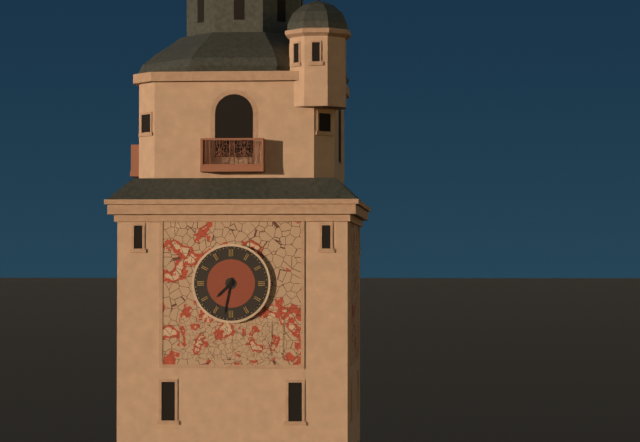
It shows 7:32
